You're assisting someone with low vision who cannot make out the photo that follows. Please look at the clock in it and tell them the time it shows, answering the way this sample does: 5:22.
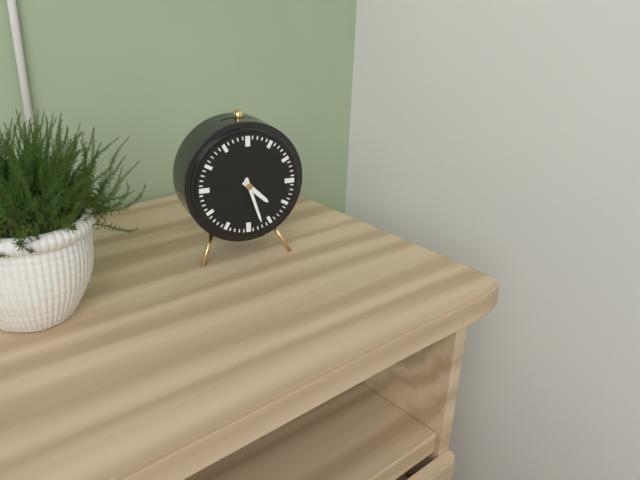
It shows 4:27
